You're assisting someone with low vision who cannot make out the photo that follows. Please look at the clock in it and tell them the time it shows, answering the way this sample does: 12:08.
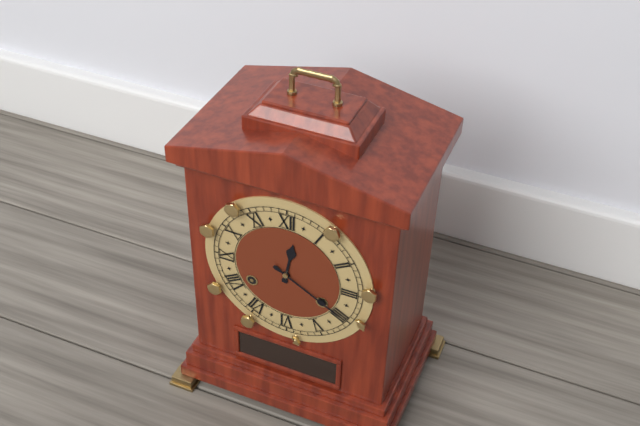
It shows 12:20
